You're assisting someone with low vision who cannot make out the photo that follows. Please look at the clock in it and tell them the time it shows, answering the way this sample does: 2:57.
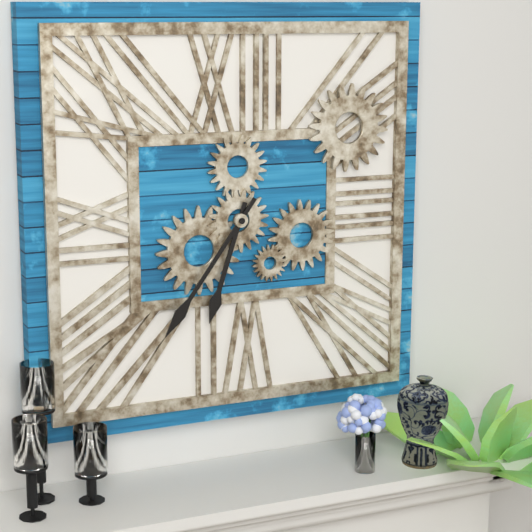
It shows 6:36
